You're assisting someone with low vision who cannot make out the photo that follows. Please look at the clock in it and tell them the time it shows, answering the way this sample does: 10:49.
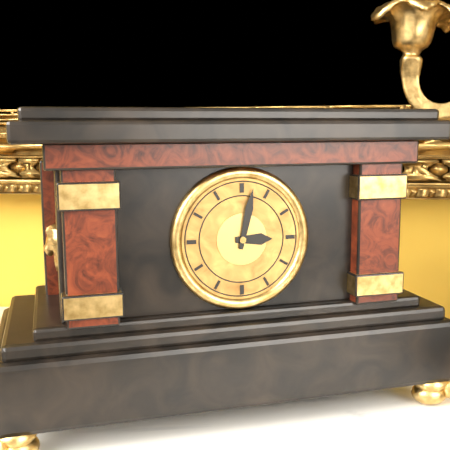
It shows 3:02
